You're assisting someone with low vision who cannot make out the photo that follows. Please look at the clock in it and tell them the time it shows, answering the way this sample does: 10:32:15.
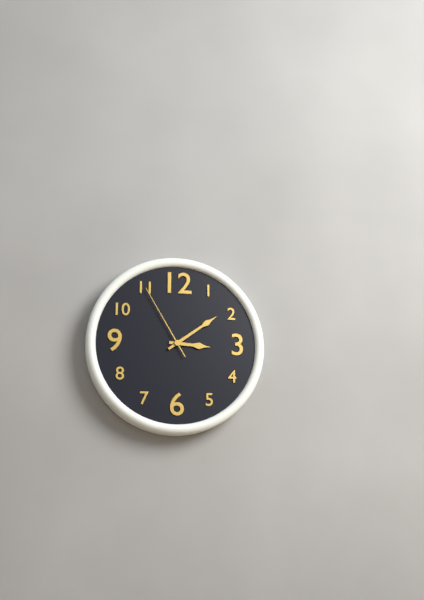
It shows 3:09:55
